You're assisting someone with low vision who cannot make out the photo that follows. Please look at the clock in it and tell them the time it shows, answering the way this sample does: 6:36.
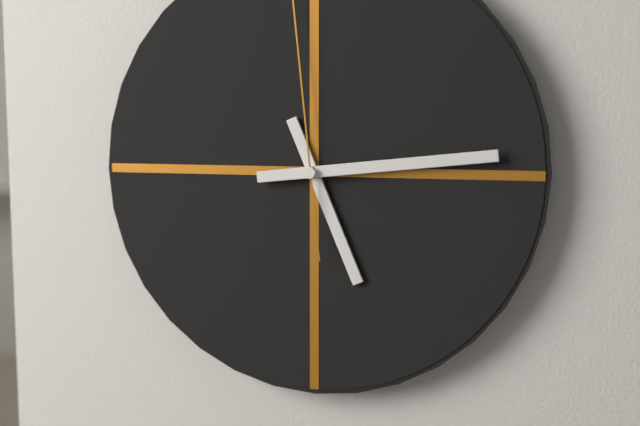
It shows 5:14
